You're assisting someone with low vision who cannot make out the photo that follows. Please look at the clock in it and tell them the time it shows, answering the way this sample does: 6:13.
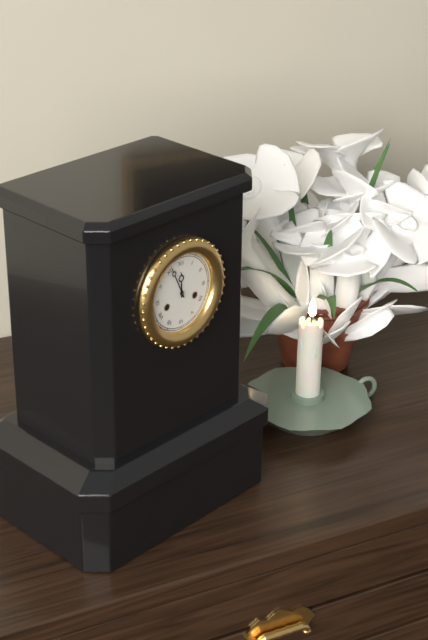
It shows 11:56
